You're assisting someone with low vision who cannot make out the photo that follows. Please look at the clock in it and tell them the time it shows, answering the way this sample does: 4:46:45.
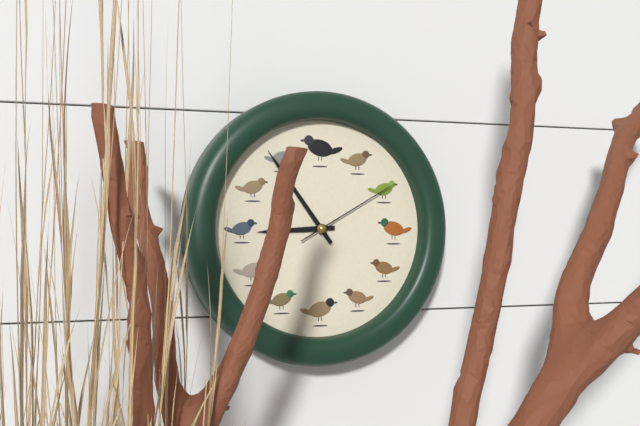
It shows 8:54:10
